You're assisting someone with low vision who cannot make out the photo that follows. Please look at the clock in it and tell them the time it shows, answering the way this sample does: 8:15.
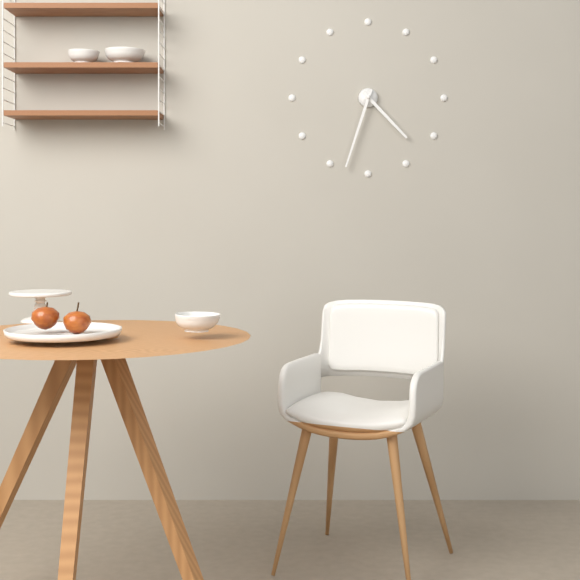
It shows 4:33
